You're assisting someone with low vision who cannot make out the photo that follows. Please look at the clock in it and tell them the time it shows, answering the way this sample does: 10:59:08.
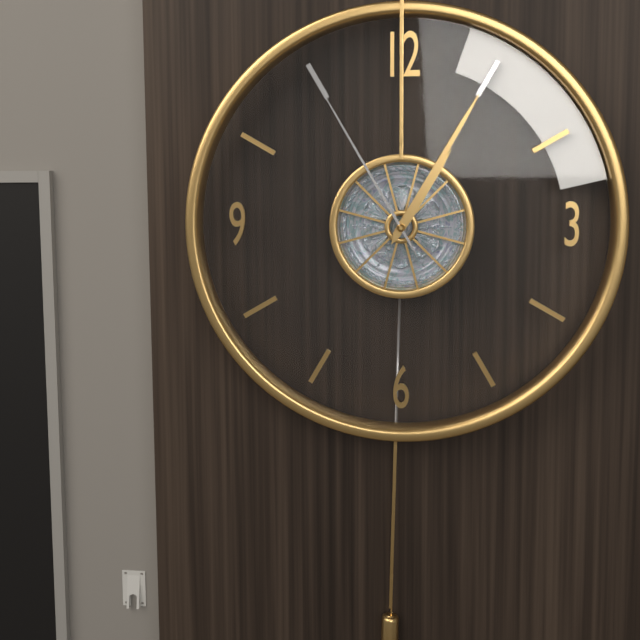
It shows 1:05:55
